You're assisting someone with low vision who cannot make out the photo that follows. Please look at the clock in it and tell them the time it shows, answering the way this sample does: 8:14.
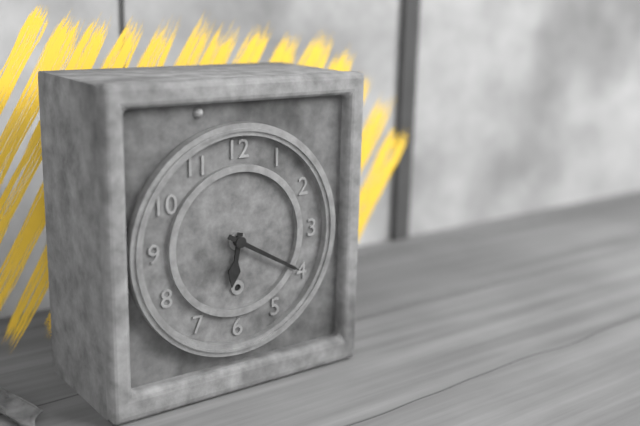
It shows 6:20
